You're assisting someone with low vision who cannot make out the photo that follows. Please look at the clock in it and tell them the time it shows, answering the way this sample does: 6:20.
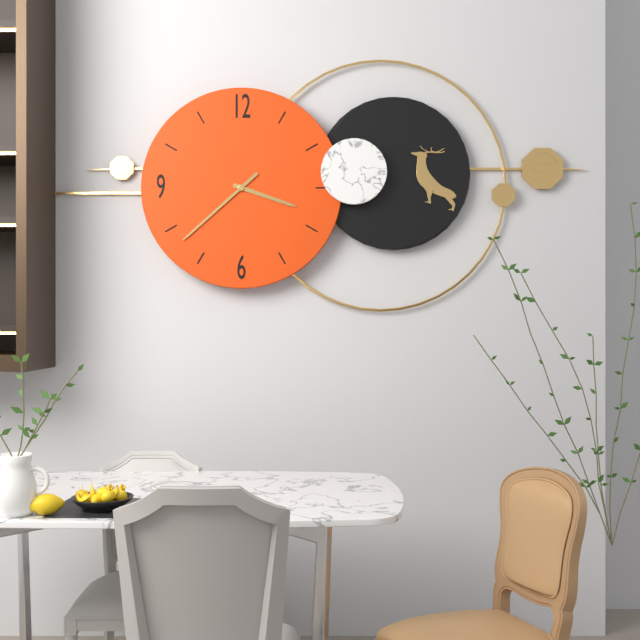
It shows 3:38
